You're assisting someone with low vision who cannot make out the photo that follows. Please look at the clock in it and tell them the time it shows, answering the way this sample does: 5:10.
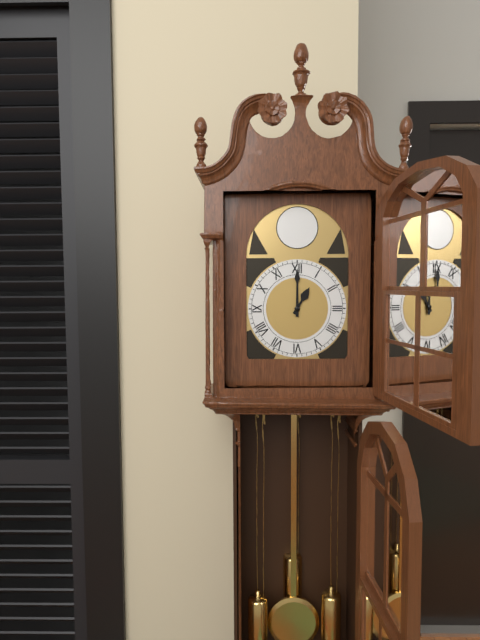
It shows 1:00
